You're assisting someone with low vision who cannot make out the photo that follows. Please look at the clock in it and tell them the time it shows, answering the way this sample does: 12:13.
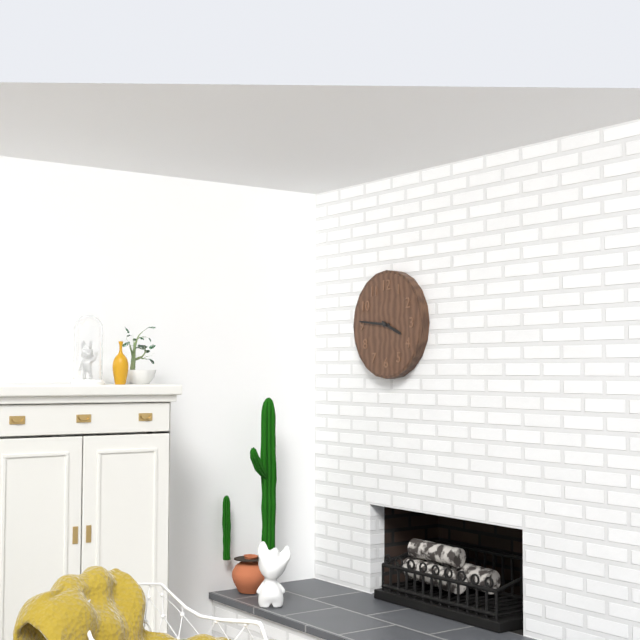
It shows 3:46
